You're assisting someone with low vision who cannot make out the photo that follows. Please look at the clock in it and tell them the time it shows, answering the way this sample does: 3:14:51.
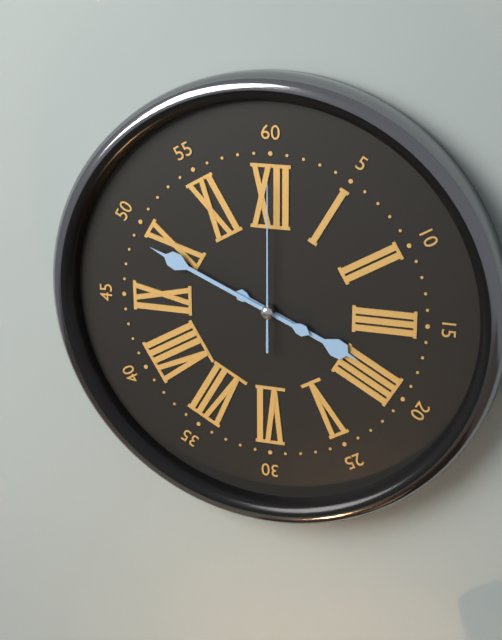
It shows 3:49:00
